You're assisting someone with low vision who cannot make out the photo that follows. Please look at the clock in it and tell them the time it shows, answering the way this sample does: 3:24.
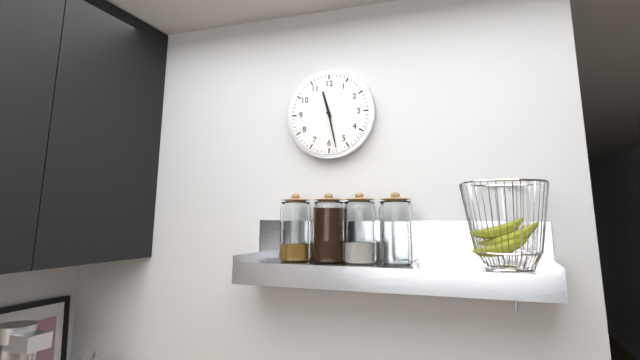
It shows 11:28
